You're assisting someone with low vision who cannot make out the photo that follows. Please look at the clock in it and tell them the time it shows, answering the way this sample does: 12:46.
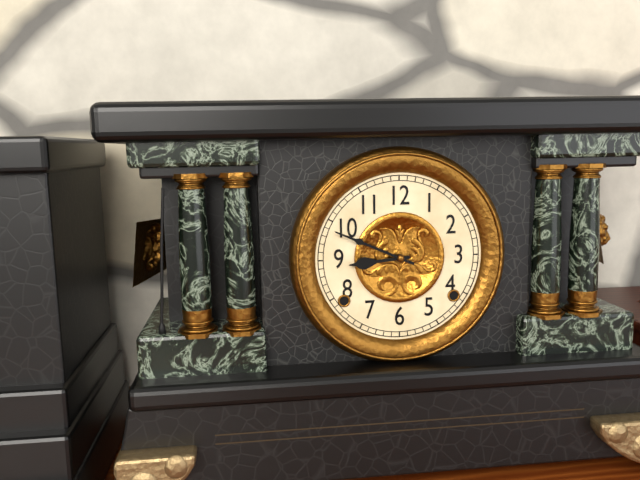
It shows 8:49
